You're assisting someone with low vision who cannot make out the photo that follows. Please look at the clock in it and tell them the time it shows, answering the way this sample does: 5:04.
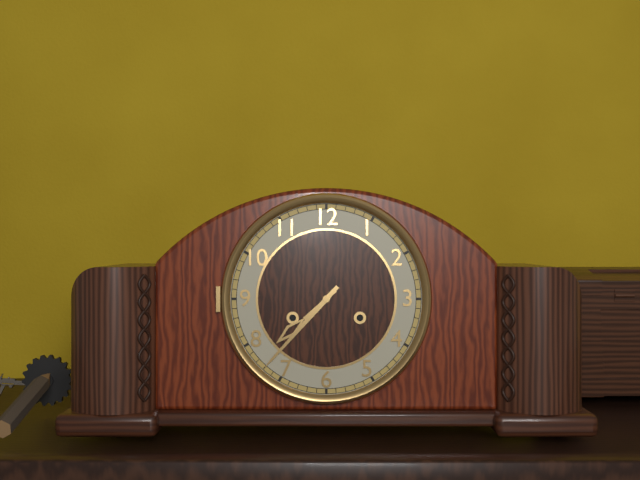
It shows 7:37
